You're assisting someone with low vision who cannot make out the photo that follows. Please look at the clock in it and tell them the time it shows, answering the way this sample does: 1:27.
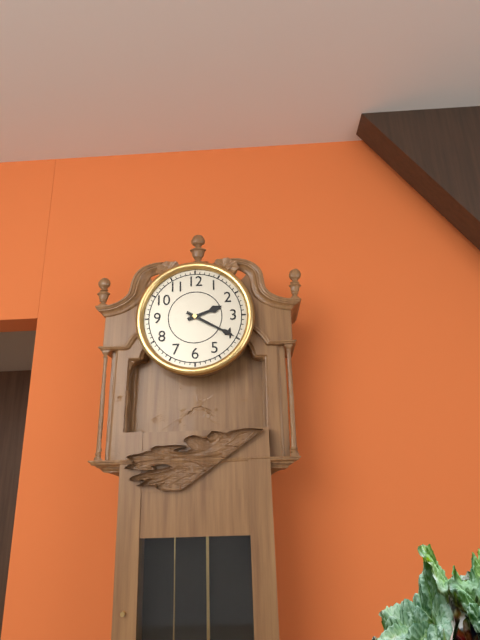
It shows 2:20
